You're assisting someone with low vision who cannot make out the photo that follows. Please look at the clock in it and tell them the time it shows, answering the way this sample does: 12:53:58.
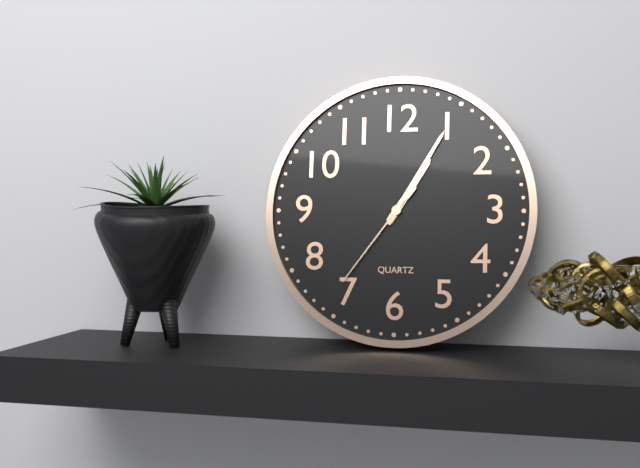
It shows 1:05:36
